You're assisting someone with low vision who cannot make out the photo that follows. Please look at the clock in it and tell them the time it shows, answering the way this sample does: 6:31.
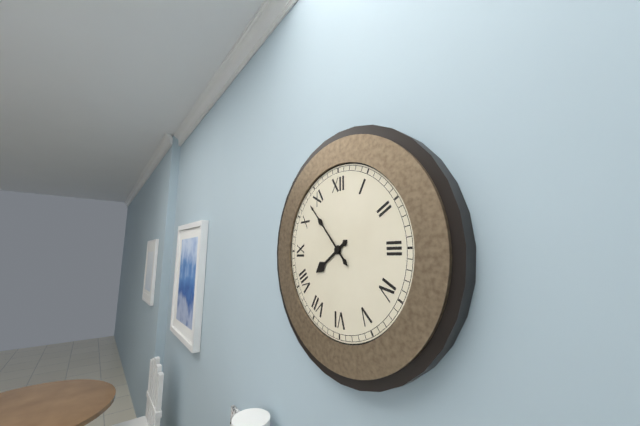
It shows 7:53
